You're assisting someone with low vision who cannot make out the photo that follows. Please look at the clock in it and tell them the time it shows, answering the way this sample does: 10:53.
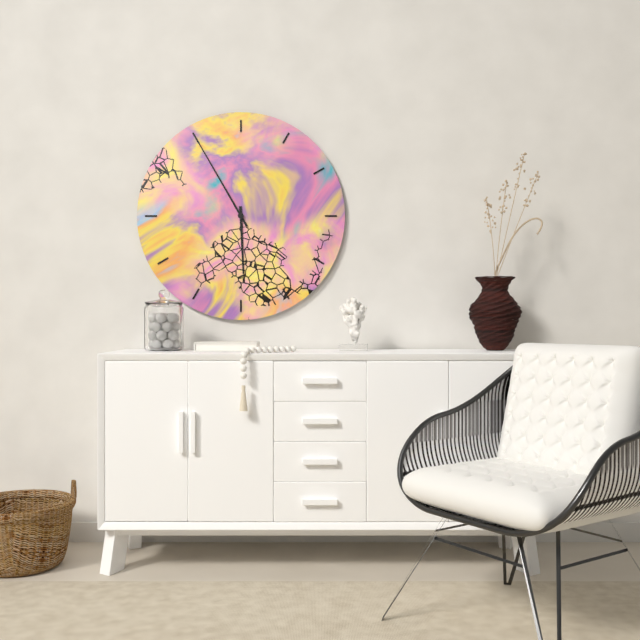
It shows 5:55
